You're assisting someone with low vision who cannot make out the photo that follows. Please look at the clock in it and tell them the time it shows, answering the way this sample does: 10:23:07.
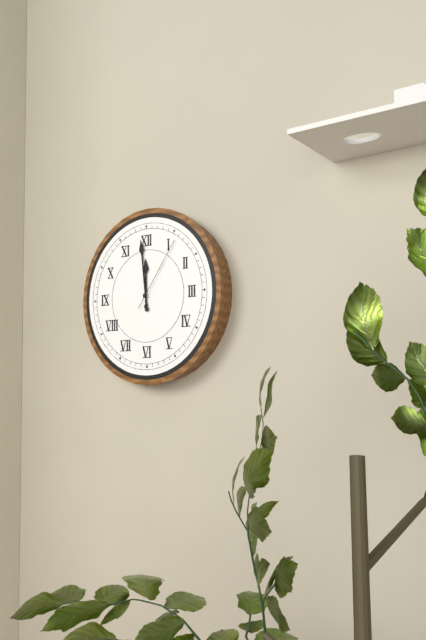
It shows 11:59:06
